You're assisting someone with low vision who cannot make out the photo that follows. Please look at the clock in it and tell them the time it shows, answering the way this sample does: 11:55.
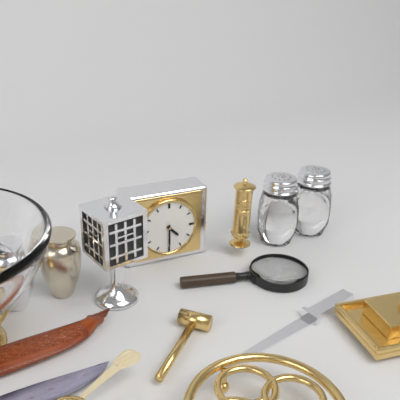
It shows 4:30
